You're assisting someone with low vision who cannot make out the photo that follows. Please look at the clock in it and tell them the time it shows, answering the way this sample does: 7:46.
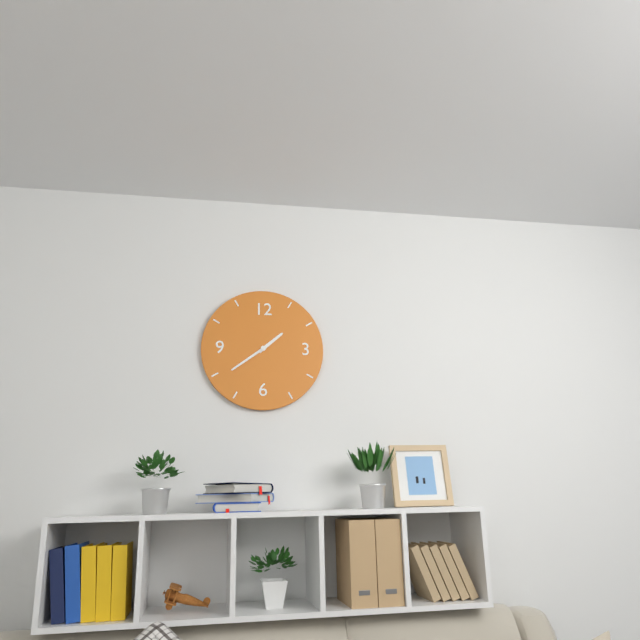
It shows 1:39
